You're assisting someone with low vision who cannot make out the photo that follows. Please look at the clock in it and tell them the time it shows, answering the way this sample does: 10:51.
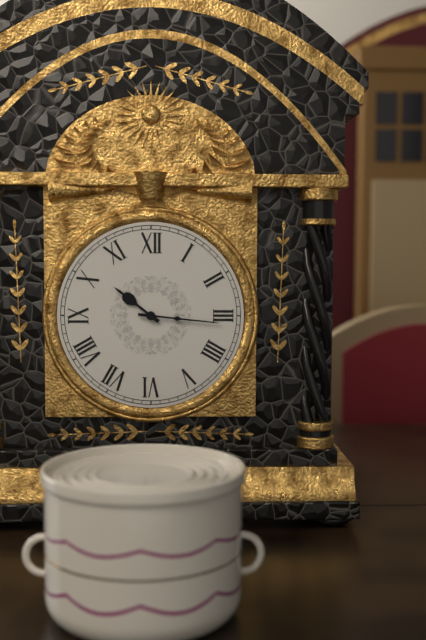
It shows 10:16
